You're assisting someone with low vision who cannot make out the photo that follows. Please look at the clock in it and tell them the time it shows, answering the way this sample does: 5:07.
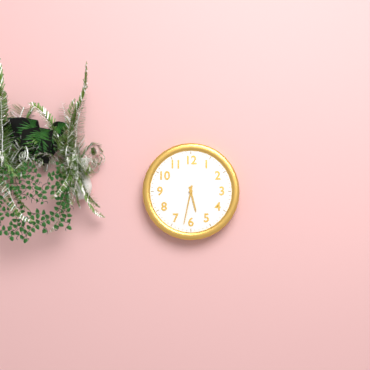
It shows 5:32
